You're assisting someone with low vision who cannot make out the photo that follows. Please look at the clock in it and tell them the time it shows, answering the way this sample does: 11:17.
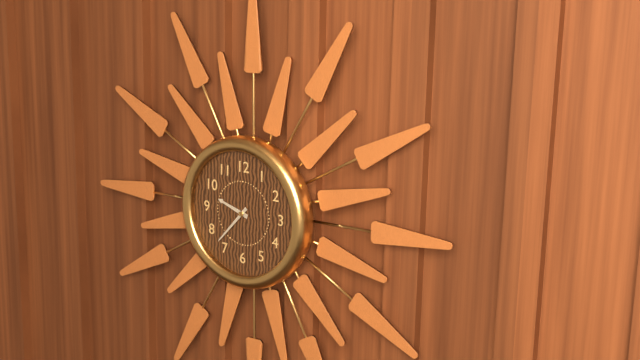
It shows 9:37
